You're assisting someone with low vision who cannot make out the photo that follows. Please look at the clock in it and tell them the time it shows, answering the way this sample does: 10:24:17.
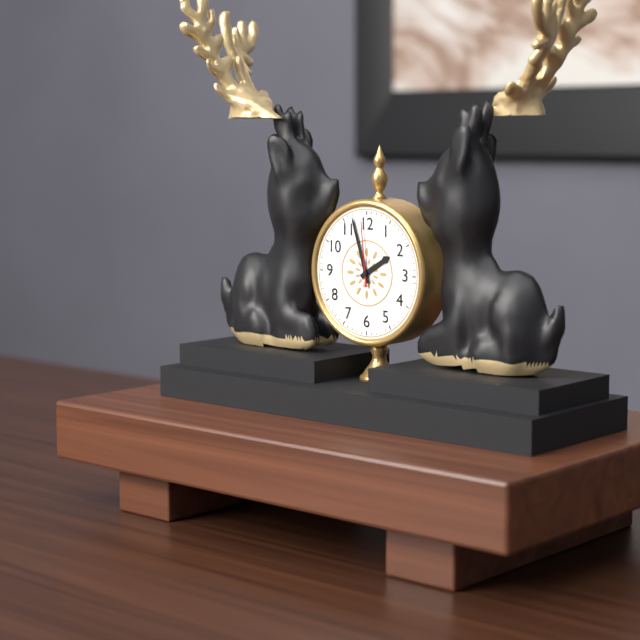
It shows 1:57:59
